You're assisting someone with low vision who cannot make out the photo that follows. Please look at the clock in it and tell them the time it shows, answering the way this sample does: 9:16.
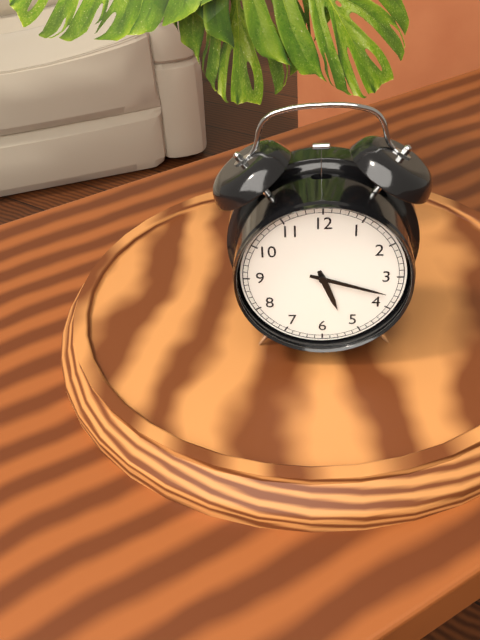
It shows 5:18
